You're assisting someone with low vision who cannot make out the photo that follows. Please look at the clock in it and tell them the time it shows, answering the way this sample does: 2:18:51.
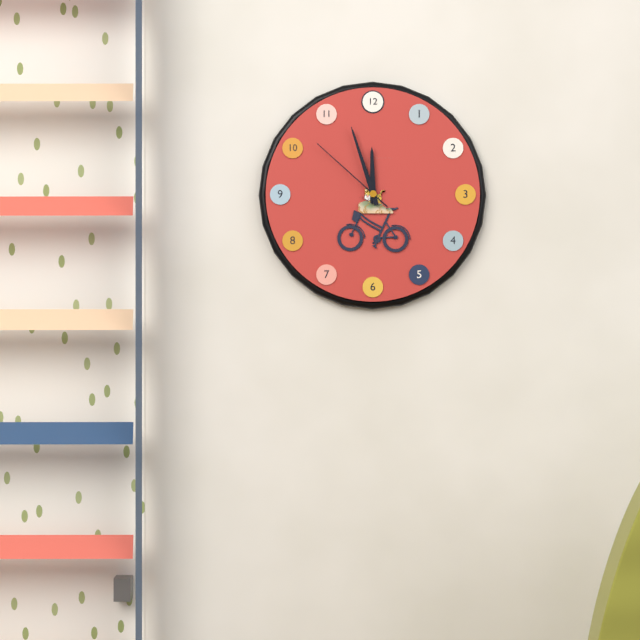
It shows 11:57:52
